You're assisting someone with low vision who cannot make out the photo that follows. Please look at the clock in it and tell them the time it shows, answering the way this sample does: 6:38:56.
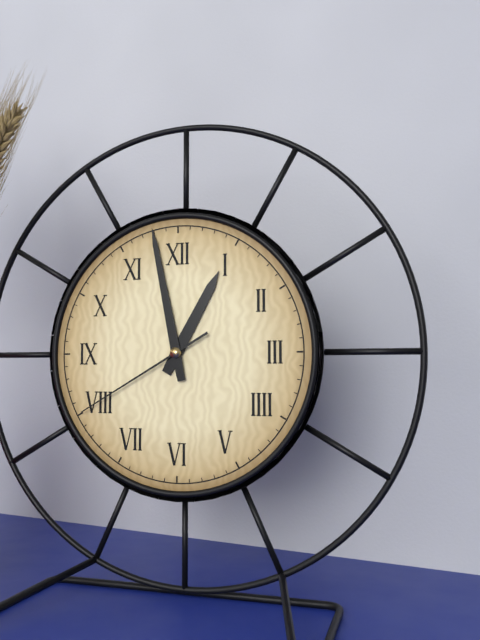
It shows 12:58:40
